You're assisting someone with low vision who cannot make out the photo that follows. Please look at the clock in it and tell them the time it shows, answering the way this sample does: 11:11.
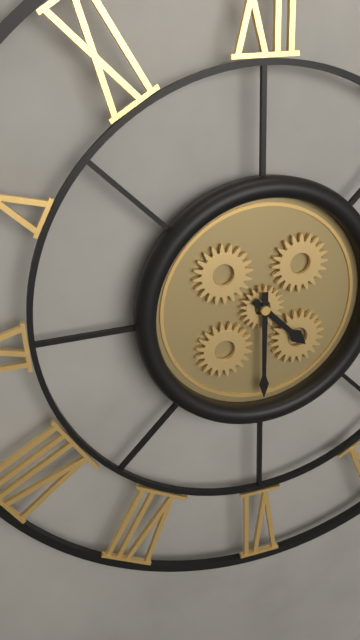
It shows 4:30
